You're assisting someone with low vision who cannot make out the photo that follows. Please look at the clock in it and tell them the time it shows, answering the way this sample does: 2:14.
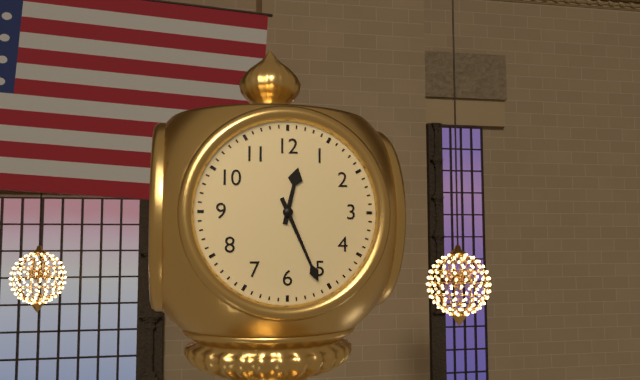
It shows 12:26
